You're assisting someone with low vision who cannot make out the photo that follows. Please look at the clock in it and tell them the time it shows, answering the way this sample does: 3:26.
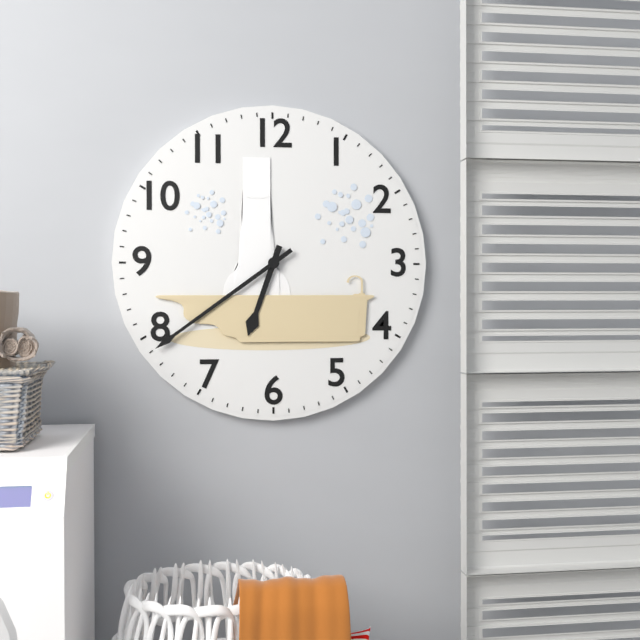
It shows 6:39
